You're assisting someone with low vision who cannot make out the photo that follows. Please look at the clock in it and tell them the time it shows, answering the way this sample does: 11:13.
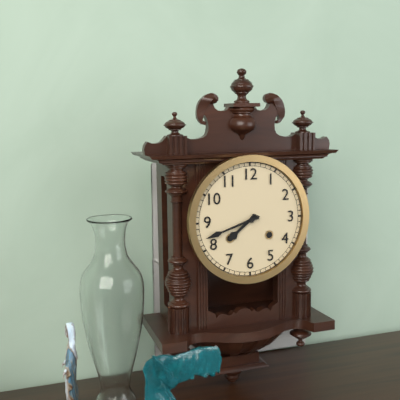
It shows 7:42
